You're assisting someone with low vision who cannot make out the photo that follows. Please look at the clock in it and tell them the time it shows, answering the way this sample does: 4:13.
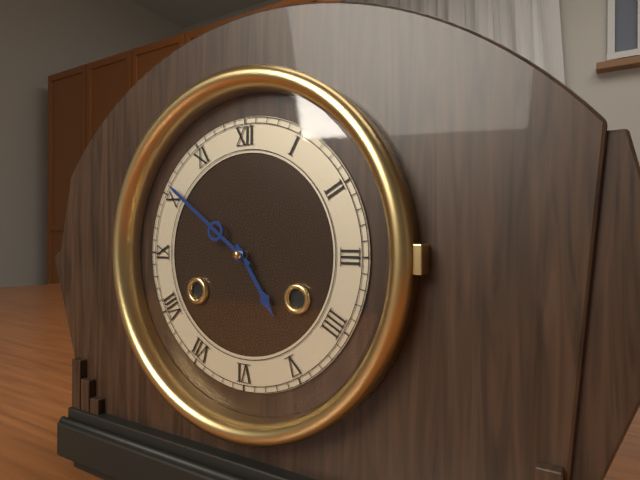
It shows 4:51
